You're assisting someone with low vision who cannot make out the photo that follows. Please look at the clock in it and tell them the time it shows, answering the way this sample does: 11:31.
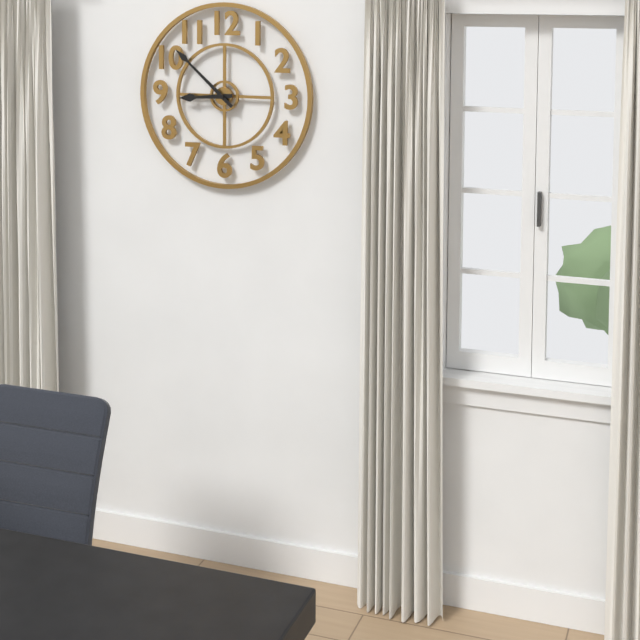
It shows 8:52
